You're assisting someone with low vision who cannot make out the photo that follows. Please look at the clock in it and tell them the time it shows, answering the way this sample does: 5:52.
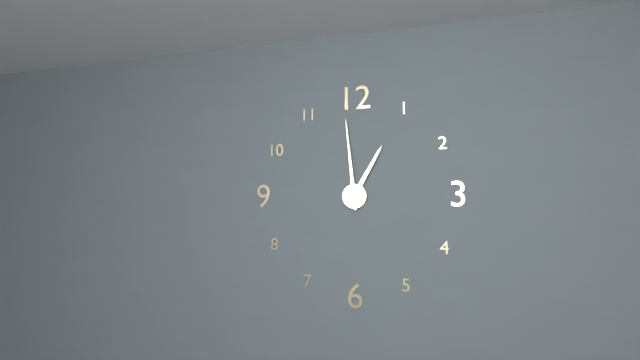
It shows 12:59
